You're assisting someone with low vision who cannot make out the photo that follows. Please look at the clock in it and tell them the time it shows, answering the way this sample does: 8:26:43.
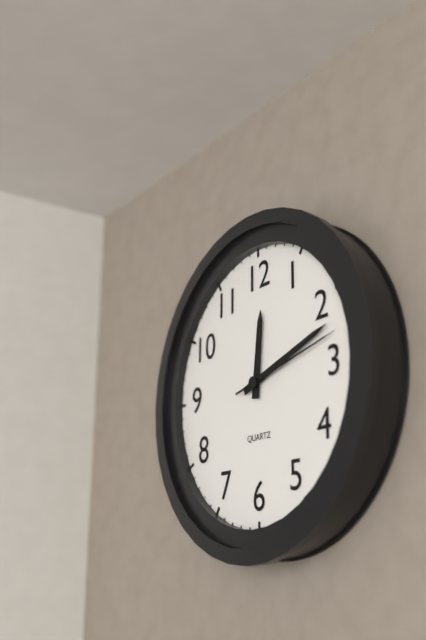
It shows 12:12:13
